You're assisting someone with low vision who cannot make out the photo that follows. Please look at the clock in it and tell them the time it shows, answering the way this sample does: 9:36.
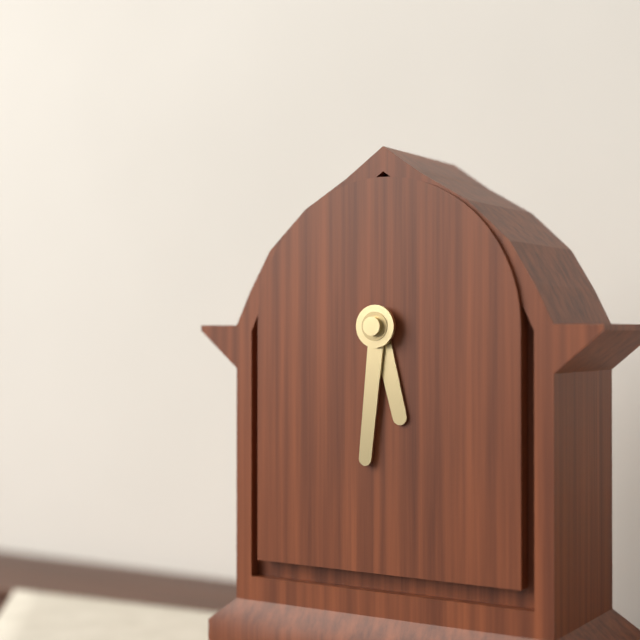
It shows 5:31
